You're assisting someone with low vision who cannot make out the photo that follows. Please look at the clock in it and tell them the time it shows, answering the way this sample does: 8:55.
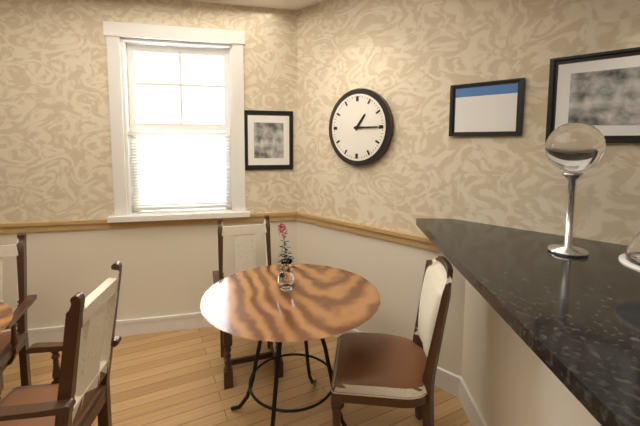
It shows 1:15
